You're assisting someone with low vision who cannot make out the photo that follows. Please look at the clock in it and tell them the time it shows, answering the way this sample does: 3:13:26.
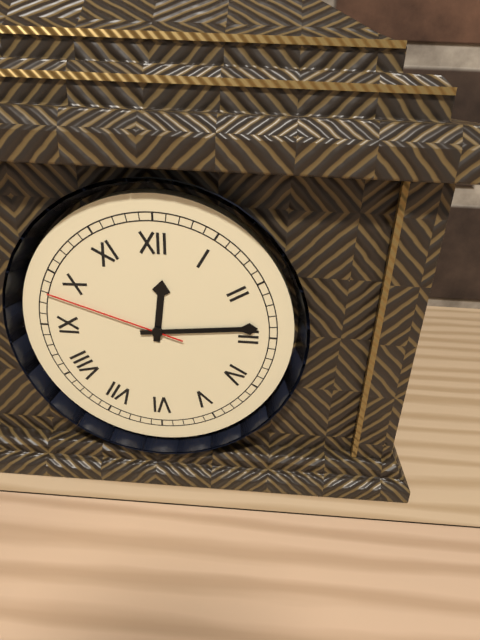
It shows 12:14:48
